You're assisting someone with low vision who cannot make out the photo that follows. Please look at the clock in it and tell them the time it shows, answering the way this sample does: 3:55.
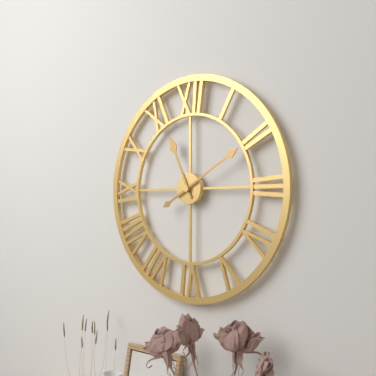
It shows 11:10
